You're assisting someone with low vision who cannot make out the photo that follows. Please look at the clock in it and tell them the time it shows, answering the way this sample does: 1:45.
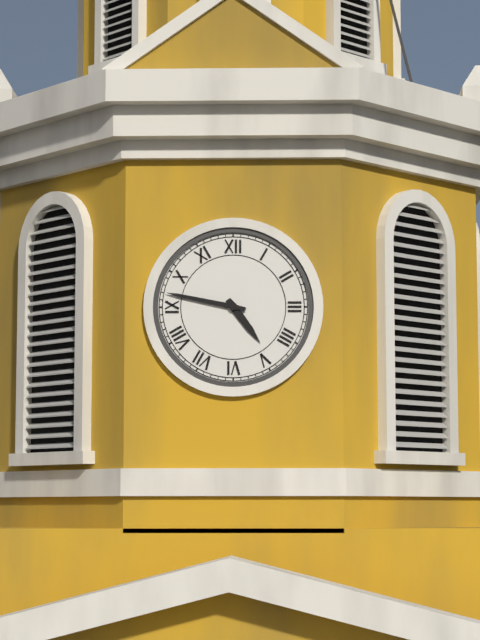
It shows 4:47
